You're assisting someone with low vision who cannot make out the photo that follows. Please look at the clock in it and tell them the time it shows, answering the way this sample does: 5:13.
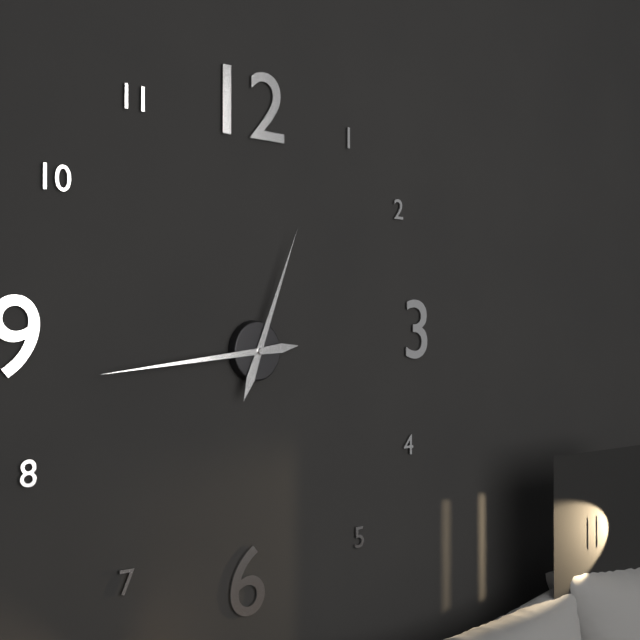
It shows 12:44
